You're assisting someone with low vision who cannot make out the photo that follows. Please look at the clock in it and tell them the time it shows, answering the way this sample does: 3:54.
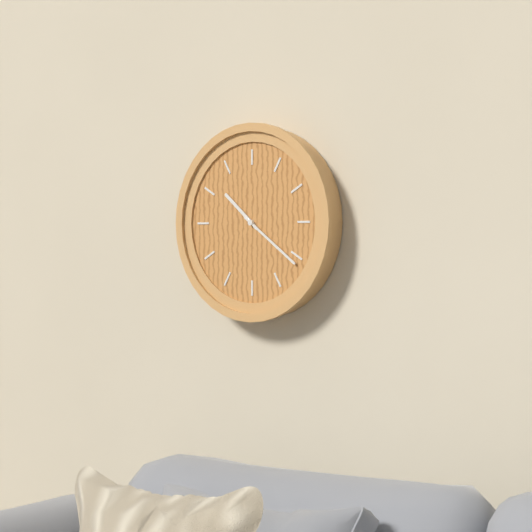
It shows 10:21
